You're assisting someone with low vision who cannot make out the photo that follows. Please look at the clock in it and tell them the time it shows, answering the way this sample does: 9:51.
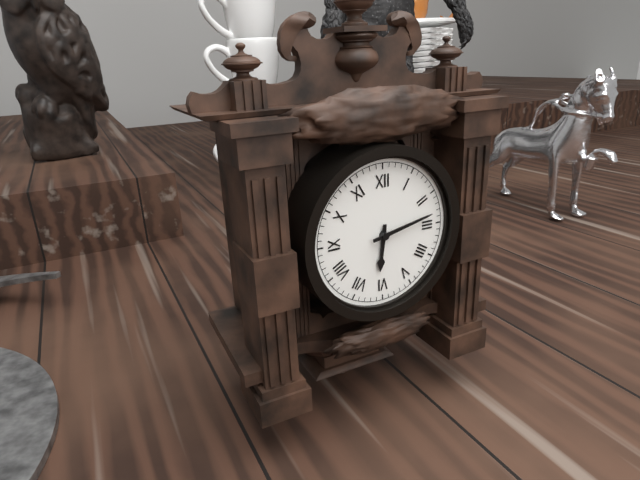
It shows 6:13
